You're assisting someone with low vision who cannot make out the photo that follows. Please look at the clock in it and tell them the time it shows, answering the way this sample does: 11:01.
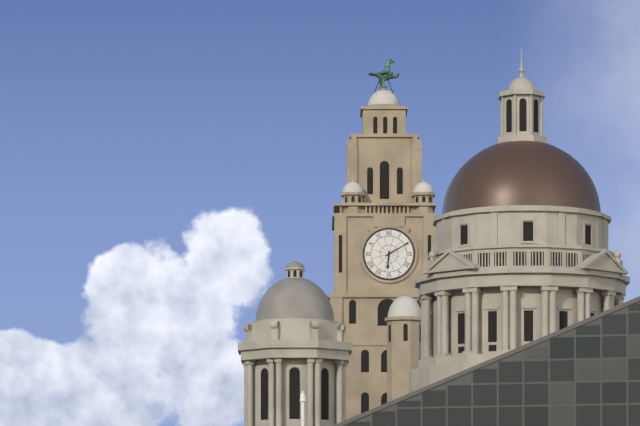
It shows 6:10
